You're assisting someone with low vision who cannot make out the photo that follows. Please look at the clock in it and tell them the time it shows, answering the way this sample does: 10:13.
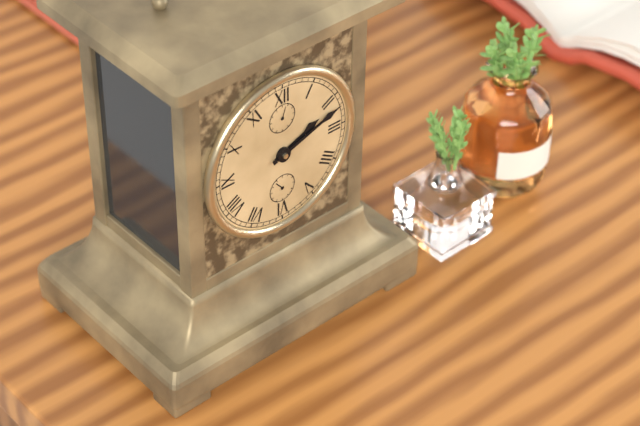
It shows 2:12
